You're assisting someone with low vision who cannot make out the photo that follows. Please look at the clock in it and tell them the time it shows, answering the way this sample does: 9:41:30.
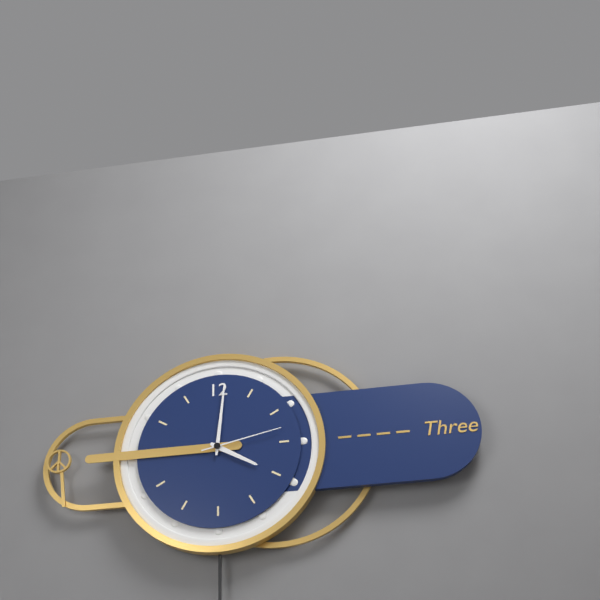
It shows 4:01:13
